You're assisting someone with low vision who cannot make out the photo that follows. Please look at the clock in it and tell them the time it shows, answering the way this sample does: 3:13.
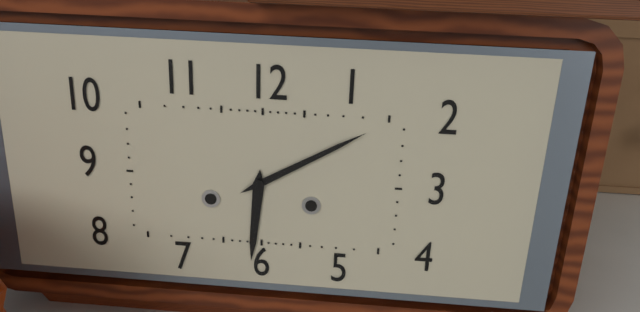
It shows 6:10
